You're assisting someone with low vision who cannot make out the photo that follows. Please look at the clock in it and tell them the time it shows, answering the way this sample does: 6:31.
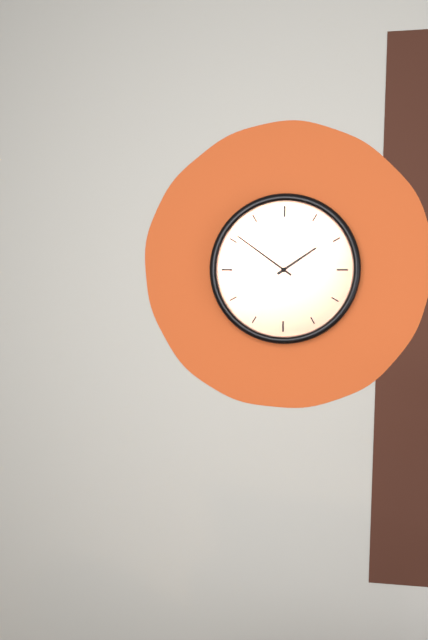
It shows 1:51
